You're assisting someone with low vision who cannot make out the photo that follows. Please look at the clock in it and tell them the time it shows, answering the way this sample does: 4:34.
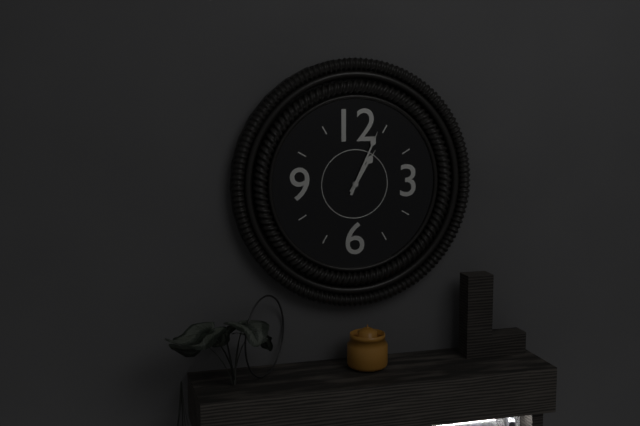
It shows 1:04
